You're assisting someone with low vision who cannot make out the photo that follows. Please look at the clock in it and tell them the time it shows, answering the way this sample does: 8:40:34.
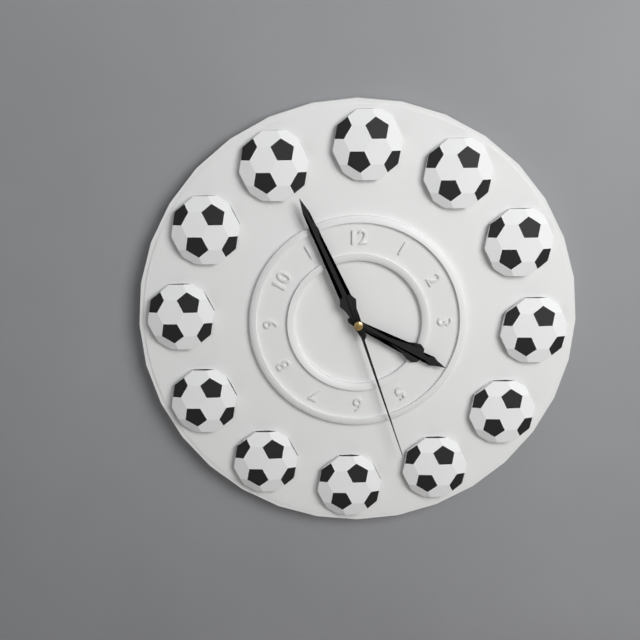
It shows 3:56:27
